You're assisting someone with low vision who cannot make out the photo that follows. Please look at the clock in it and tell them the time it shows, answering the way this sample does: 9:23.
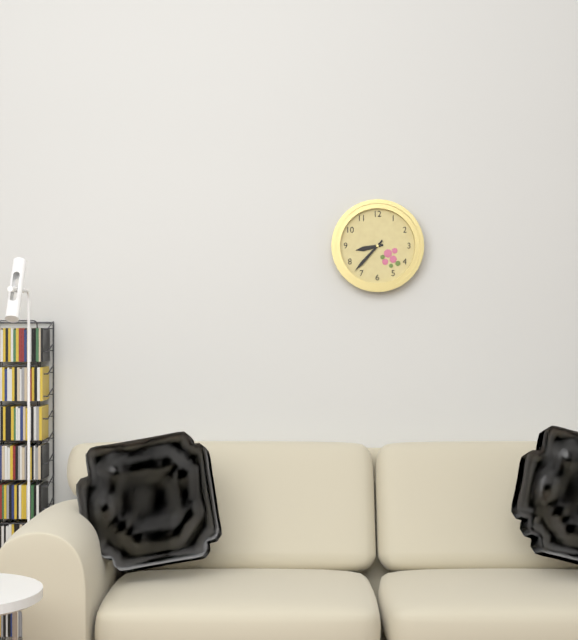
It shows 8:37
